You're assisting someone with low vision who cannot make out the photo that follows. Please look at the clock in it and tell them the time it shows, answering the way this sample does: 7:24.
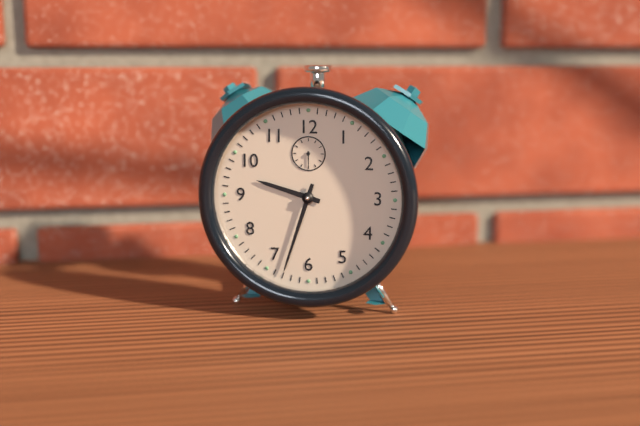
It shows 9:33
